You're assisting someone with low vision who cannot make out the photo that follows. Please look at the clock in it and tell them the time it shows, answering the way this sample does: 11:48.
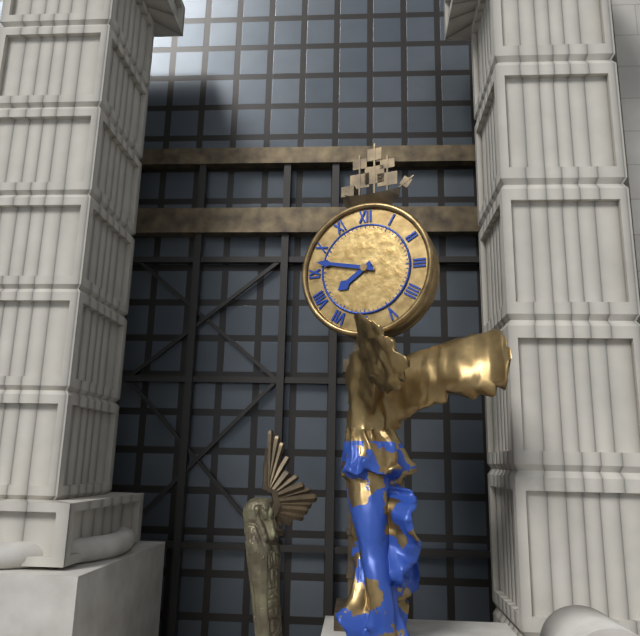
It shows 7:47
